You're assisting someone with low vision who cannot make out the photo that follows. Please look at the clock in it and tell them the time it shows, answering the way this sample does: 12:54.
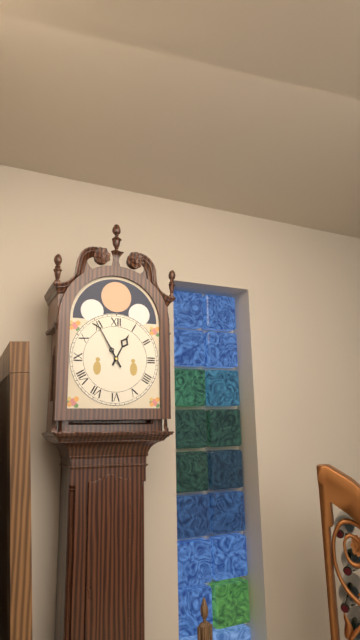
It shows 12:55
